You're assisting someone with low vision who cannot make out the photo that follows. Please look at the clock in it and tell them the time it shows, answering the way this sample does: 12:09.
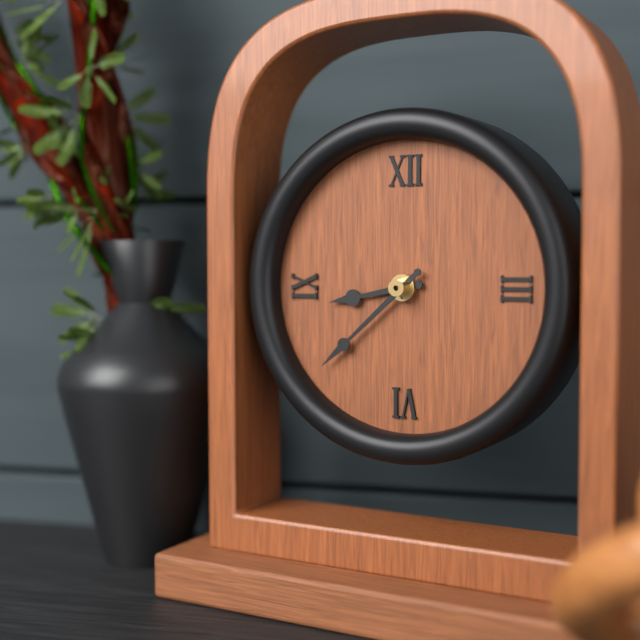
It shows 8:38
